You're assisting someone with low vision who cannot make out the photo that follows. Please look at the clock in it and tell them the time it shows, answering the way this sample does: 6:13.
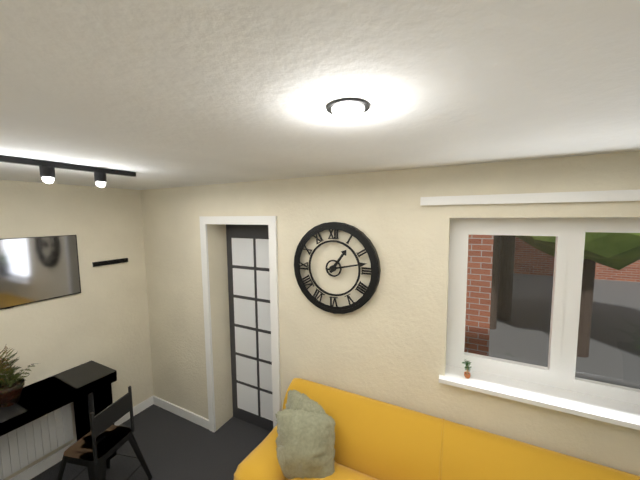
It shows 1:13
